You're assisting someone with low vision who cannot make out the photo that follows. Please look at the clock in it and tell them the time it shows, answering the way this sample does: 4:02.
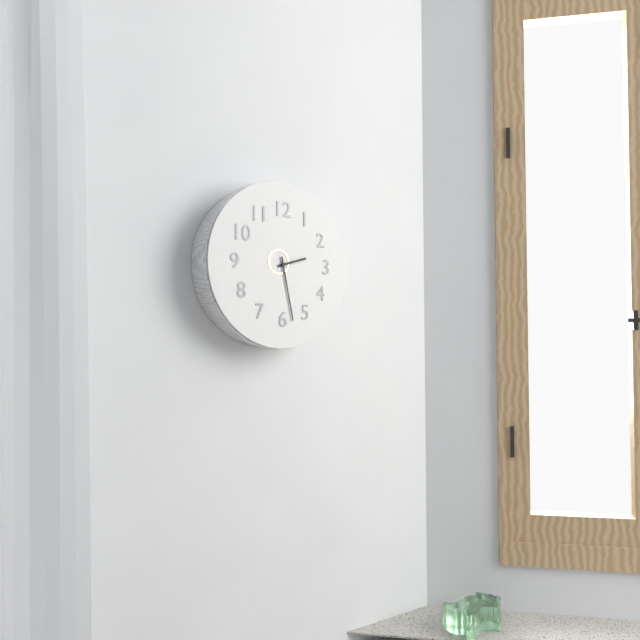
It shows 2:28
